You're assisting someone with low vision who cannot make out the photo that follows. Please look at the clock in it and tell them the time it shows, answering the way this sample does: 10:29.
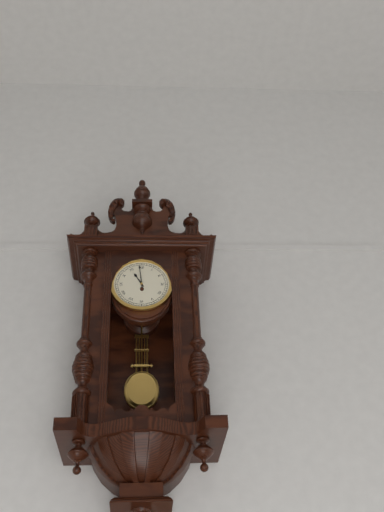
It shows 10:59
